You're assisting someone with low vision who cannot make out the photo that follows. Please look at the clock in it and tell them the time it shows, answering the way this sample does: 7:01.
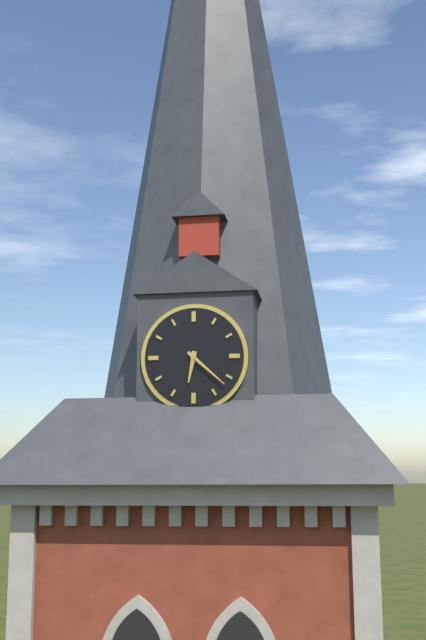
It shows 6:22
